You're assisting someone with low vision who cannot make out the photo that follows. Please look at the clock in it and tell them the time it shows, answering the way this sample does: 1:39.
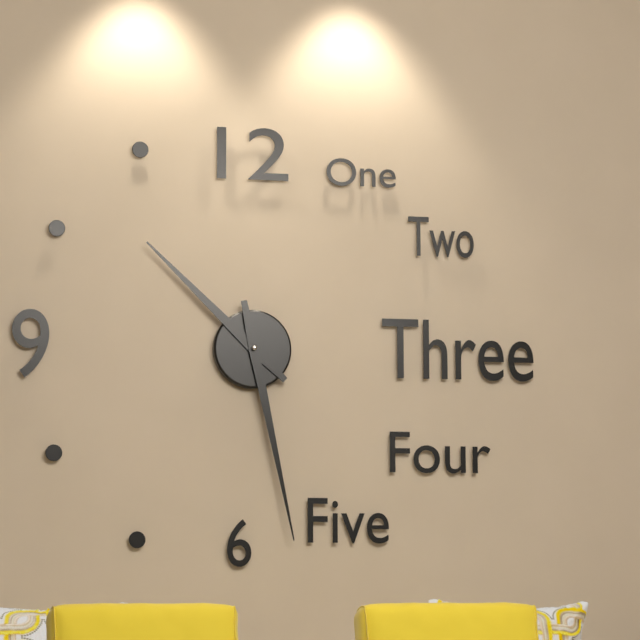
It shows 10:28
